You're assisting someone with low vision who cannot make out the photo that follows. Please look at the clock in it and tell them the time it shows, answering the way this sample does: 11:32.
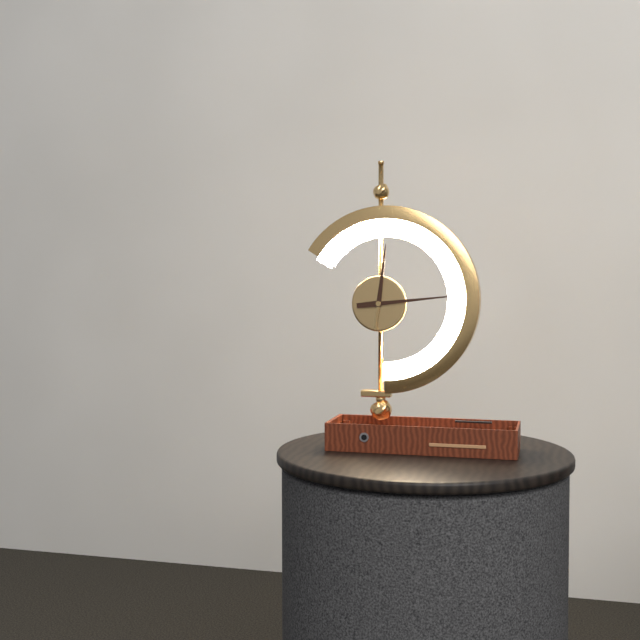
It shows 12:14
